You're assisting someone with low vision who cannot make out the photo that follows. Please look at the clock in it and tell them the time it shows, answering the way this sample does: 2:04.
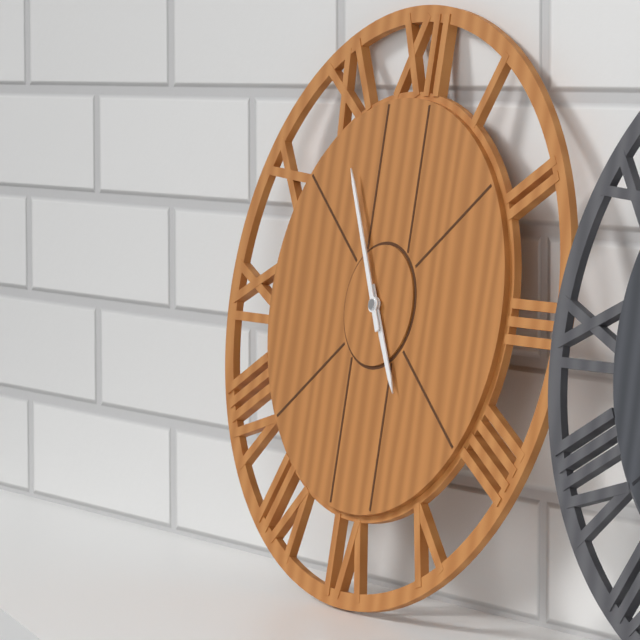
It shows 4:55
